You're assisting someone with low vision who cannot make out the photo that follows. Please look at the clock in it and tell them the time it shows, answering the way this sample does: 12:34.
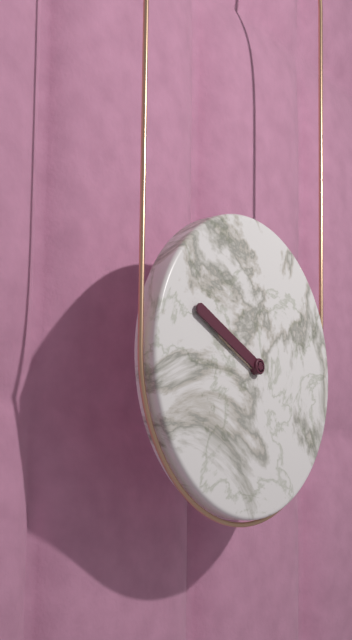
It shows 9:49
